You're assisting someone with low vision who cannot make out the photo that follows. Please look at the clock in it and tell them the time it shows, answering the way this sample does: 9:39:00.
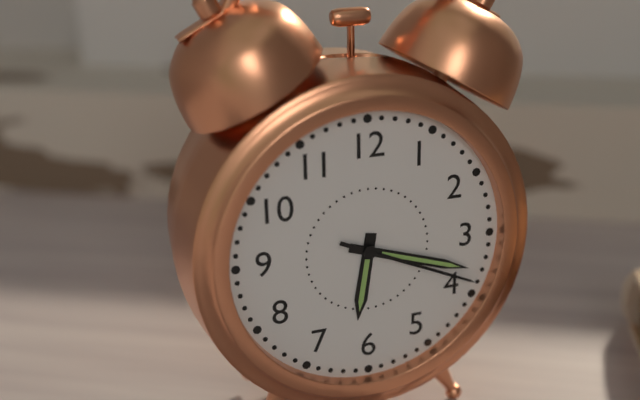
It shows 6:18:19
